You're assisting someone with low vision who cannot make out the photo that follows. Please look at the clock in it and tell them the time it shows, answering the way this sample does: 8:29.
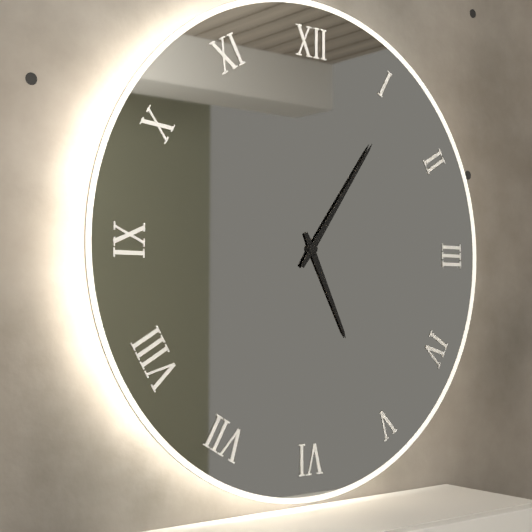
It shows 5:06
